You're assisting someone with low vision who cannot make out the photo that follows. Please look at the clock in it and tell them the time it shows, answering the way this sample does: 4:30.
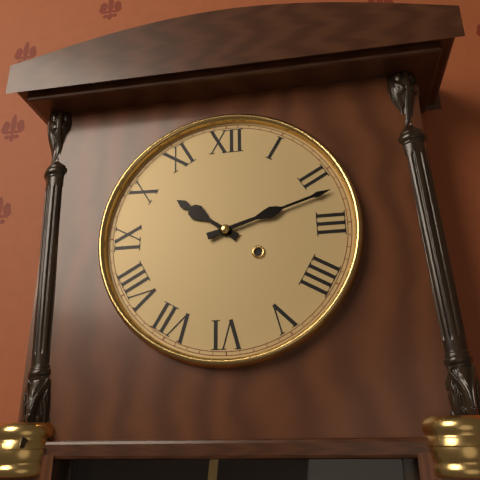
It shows 10:12
